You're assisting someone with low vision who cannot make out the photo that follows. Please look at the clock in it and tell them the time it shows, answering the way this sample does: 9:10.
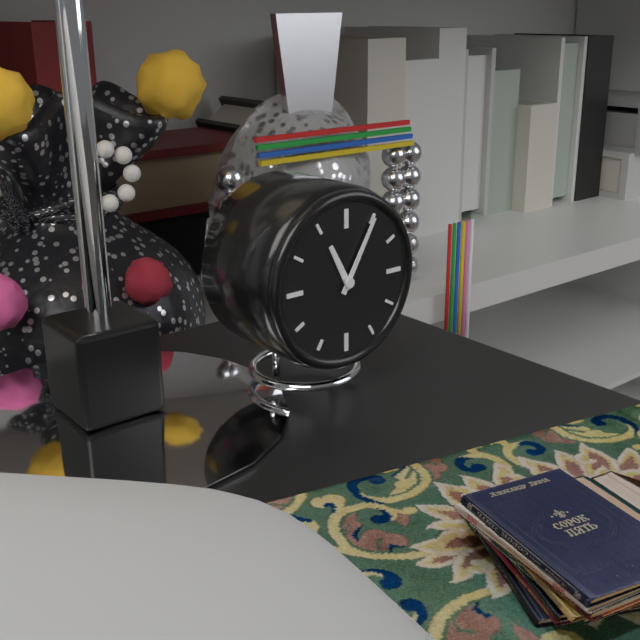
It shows 11:05
